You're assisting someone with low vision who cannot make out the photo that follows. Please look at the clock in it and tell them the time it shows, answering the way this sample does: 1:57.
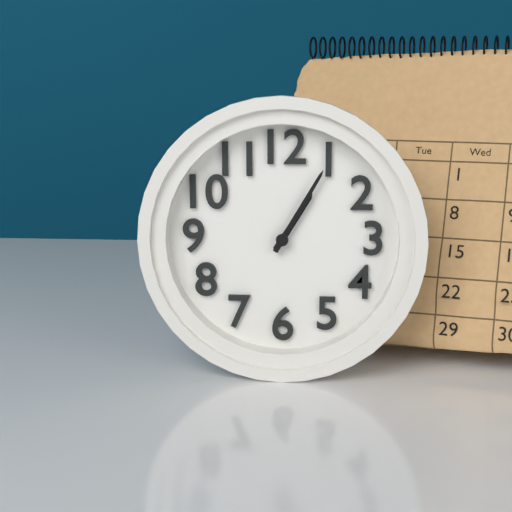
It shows 1:05
